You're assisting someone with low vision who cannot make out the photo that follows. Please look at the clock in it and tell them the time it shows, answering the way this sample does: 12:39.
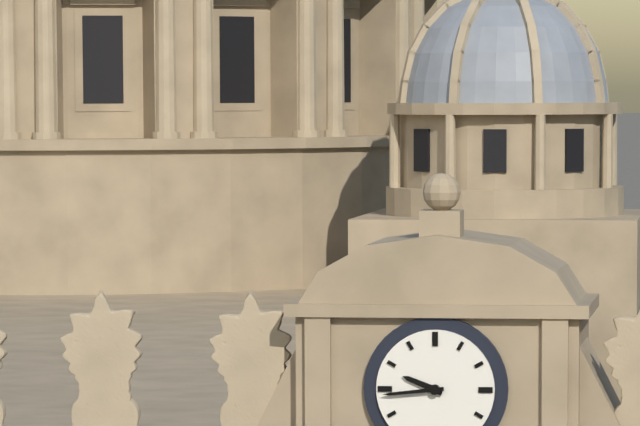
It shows 9:44
